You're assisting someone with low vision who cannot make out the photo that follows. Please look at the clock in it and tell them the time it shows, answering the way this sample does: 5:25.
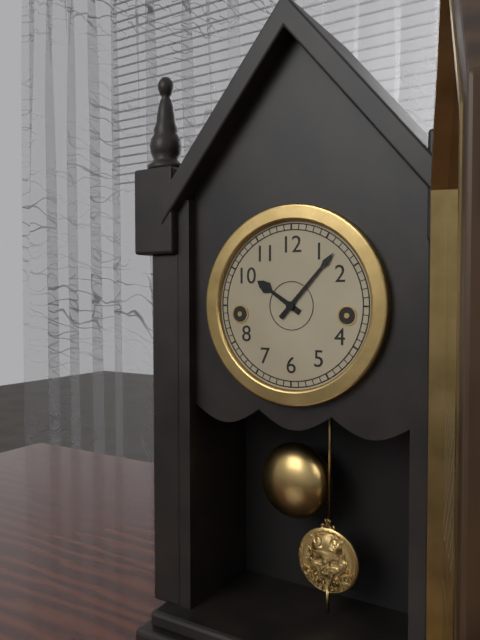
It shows 10:07
